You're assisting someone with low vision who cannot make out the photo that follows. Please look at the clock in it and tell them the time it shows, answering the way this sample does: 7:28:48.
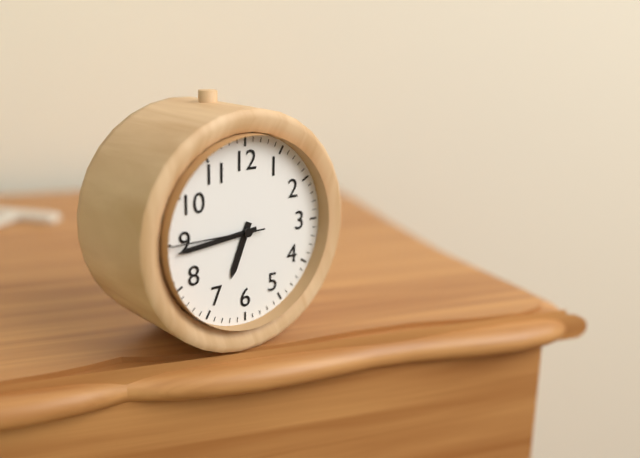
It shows 6:44:45
